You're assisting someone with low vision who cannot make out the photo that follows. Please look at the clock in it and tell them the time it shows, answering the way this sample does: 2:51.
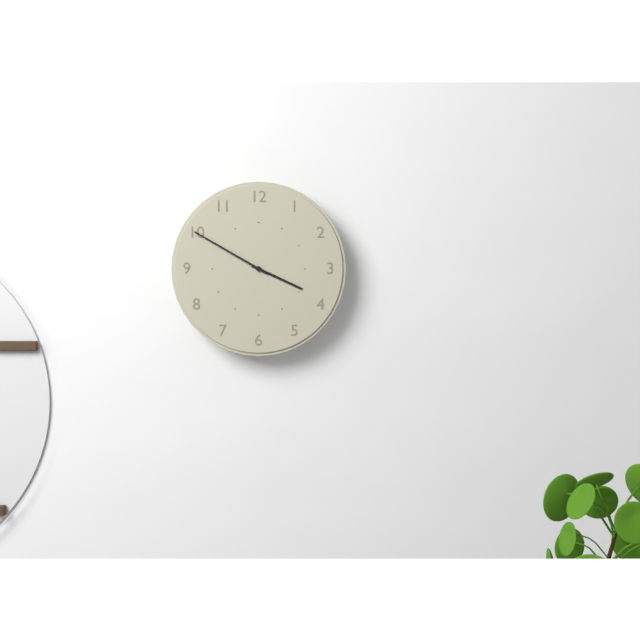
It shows 3:50
